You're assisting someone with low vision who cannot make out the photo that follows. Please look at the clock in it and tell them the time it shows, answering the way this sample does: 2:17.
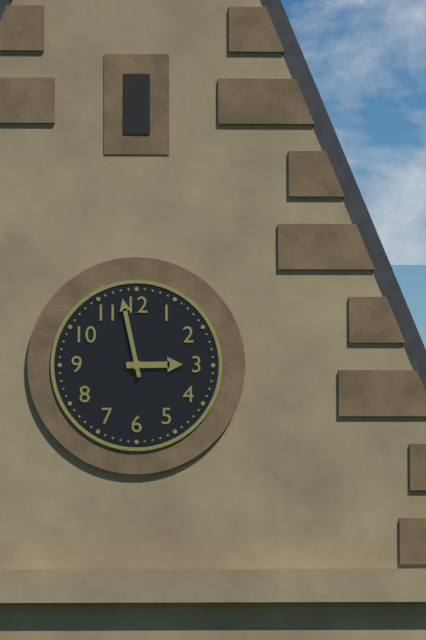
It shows 2:58
